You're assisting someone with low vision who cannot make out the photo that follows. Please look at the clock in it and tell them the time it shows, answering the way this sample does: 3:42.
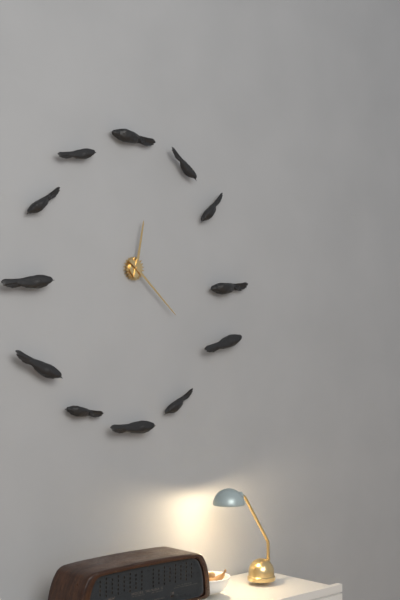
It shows 12:22
